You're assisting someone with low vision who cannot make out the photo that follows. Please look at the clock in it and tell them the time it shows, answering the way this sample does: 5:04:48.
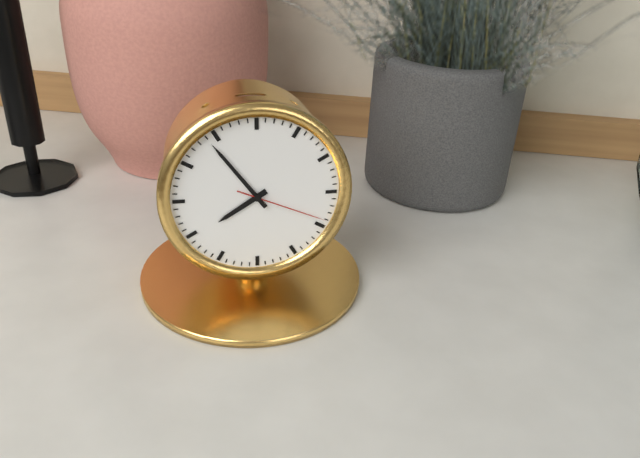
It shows 7:54:19
